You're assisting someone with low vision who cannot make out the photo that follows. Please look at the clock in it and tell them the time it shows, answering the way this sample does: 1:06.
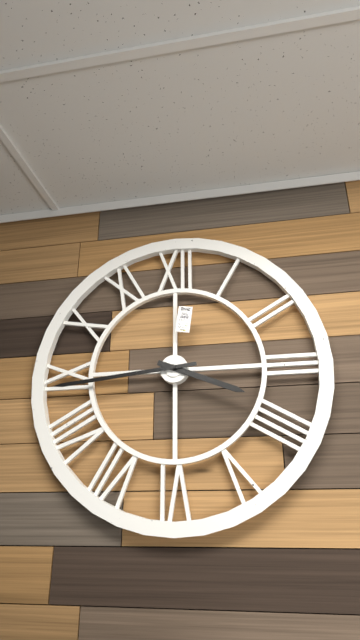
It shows 3:44
